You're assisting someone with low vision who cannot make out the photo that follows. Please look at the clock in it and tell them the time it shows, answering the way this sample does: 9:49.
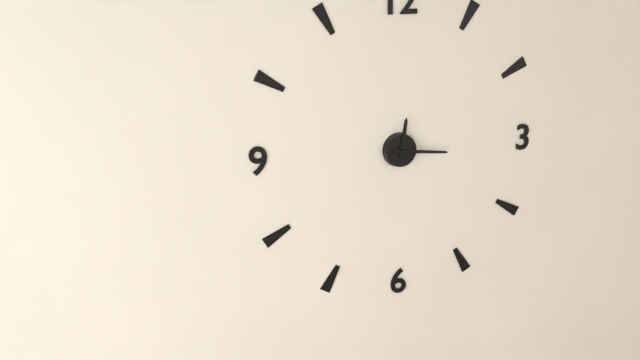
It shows 12:16
